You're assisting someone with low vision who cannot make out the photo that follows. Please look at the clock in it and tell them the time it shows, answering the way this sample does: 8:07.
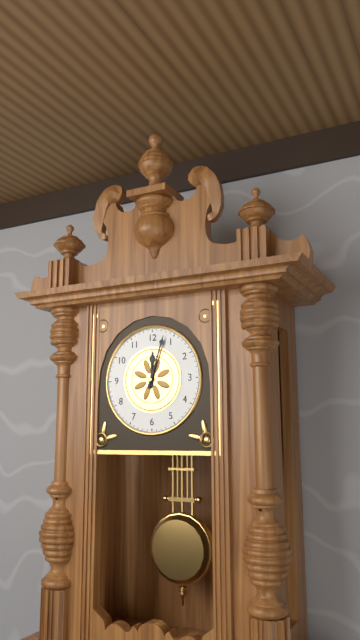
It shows 12:03
